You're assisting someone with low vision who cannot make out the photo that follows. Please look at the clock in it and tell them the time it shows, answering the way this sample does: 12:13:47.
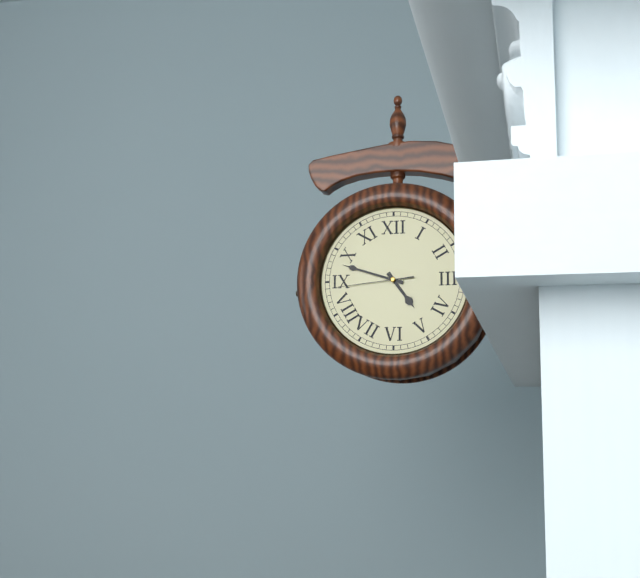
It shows 4:48:44
